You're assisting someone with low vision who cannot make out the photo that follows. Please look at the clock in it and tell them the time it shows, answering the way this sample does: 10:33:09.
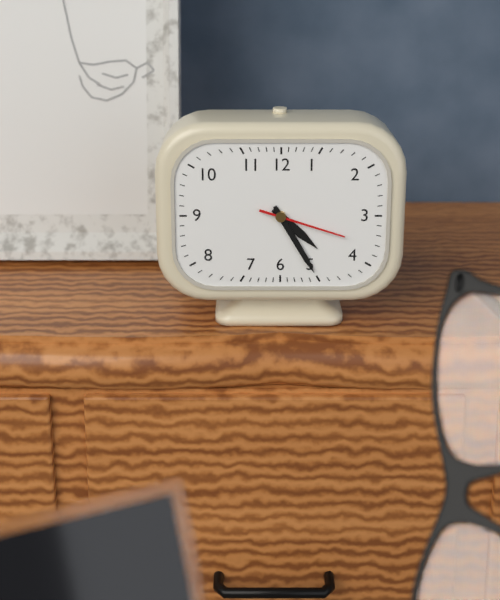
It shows 4:25:18
